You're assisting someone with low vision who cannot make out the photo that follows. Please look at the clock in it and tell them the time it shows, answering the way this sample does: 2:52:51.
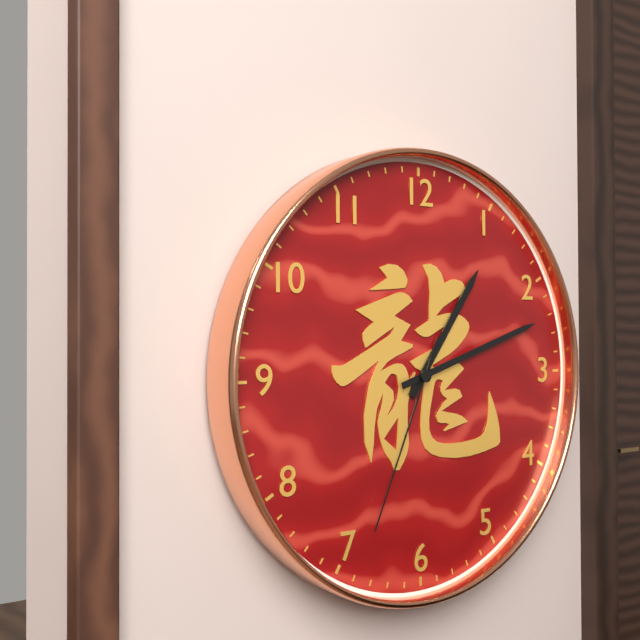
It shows 1:12:34
